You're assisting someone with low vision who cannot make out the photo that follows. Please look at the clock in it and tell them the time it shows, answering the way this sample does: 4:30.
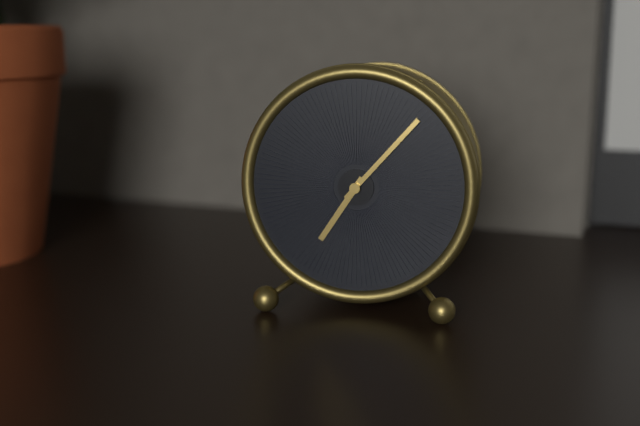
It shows 7:07
